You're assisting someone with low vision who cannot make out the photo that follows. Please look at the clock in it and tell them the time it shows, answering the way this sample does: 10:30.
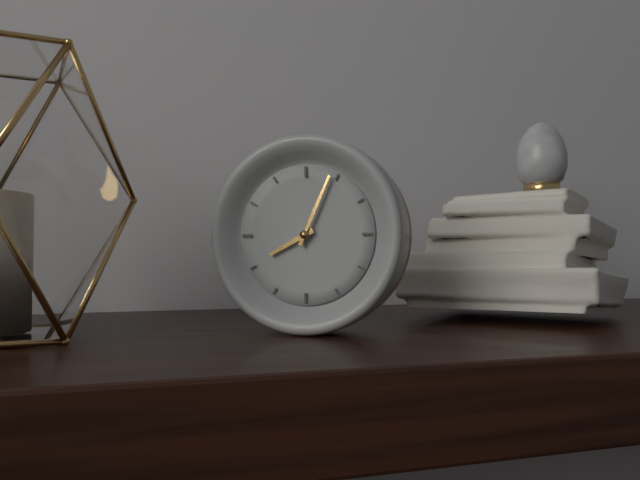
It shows 8:04
